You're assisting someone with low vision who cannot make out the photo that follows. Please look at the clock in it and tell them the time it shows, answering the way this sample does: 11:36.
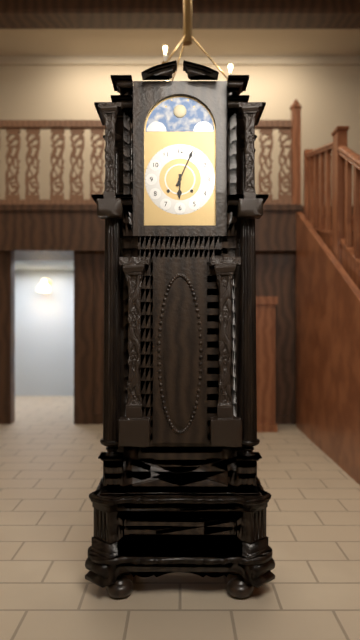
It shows 6:04
